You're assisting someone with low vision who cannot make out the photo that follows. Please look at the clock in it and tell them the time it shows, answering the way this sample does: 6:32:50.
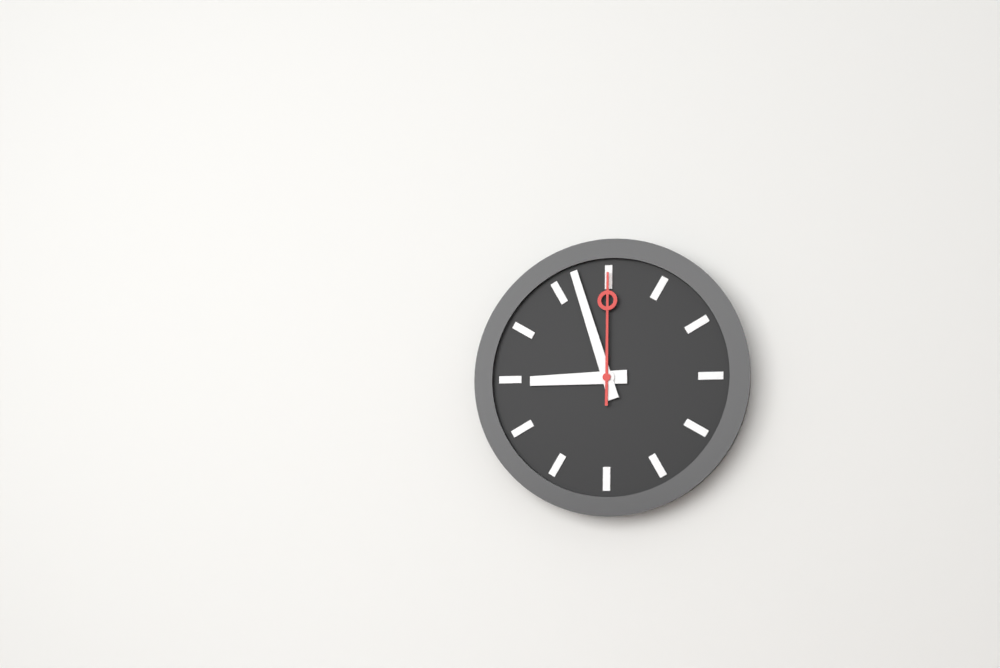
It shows 8:57:00
